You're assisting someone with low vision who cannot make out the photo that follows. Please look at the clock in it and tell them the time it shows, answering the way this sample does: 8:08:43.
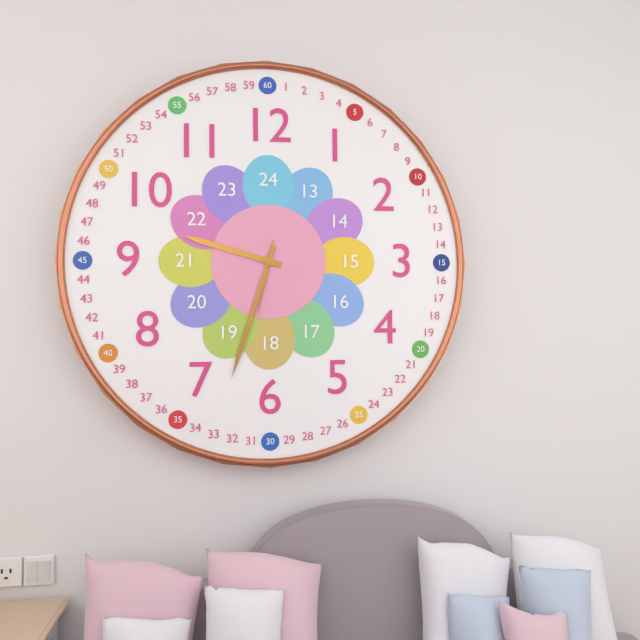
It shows 9:33:32
